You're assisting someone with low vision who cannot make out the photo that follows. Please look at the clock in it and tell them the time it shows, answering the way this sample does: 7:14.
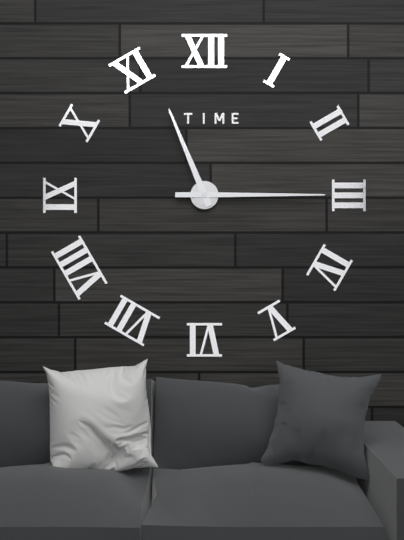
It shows 11:15
